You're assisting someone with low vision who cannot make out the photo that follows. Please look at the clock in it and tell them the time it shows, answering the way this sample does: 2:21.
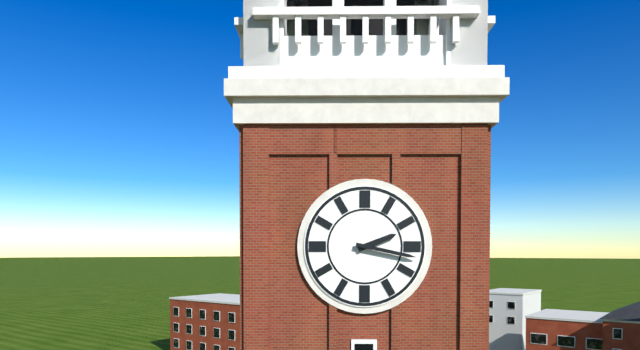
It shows 2:17
